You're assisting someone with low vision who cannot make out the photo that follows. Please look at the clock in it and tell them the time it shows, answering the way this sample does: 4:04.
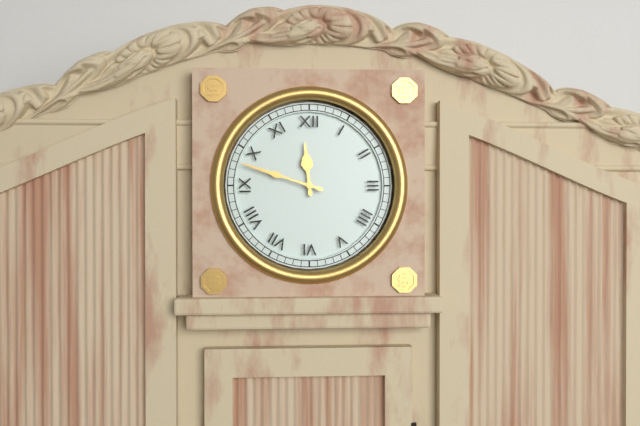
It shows 11:48
